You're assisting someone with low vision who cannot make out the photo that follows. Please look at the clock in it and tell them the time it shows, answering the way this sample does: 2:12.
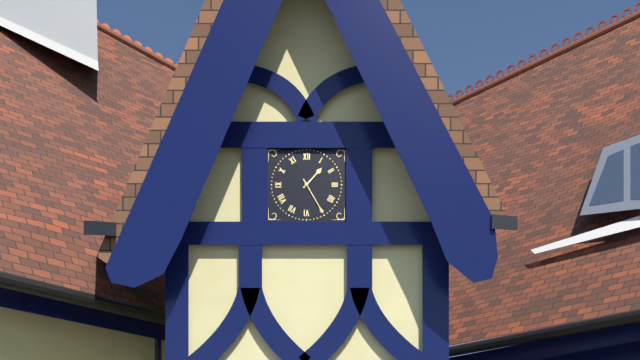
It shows 1:25
